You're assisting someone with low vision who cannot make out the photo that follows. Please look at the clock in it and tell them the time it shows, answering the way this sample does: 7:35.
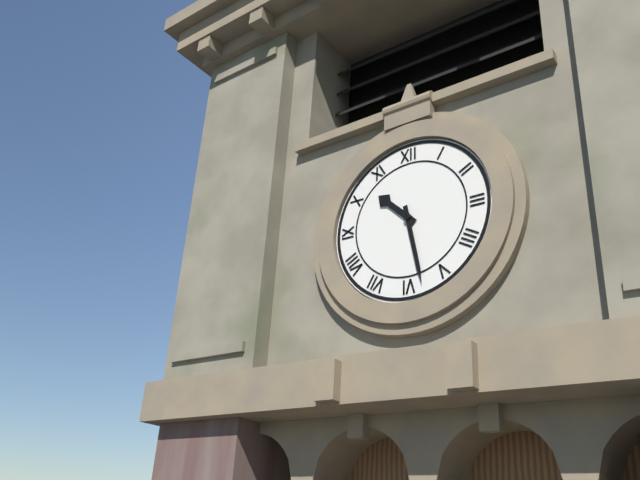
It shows 10:28
